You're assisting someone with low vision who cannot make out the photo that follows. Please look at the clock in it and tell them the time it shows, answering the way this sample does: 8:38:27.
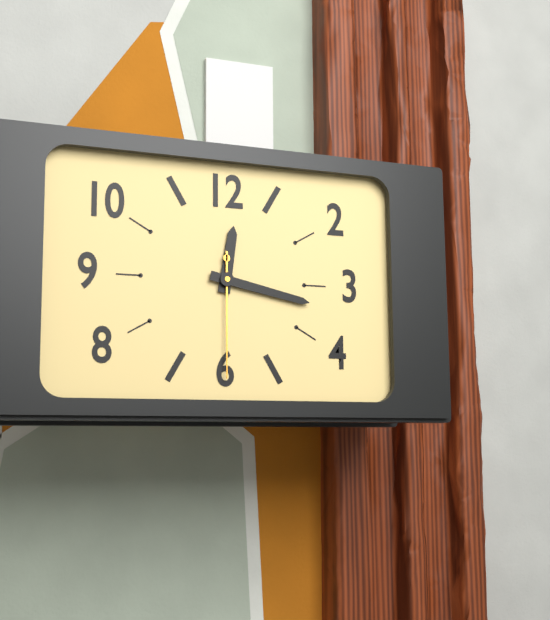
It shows 12:17:30
